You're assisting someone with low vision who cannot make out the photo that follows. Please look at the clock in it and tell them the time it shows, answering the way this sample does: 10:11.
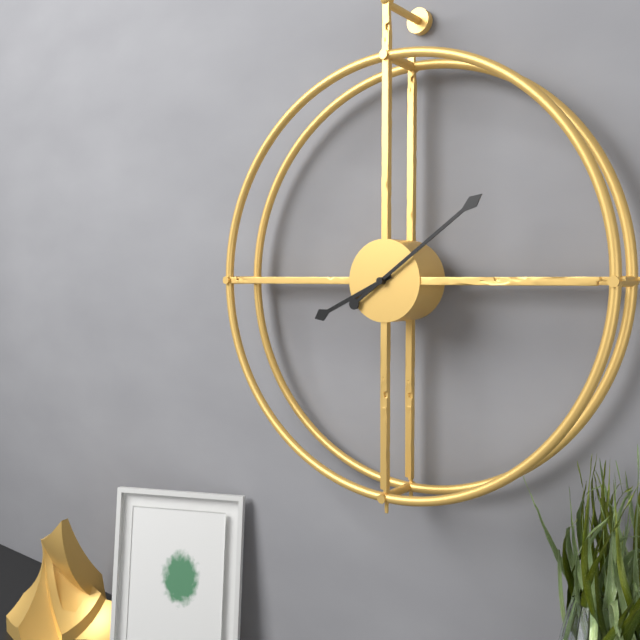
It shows 8:09
